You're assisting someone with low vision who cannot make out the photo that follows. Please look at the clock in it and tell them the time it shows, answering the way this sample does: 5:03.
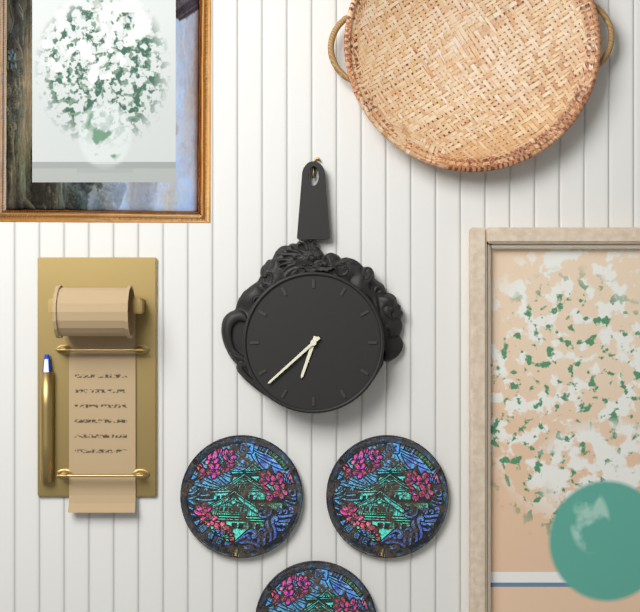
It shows 6:38
